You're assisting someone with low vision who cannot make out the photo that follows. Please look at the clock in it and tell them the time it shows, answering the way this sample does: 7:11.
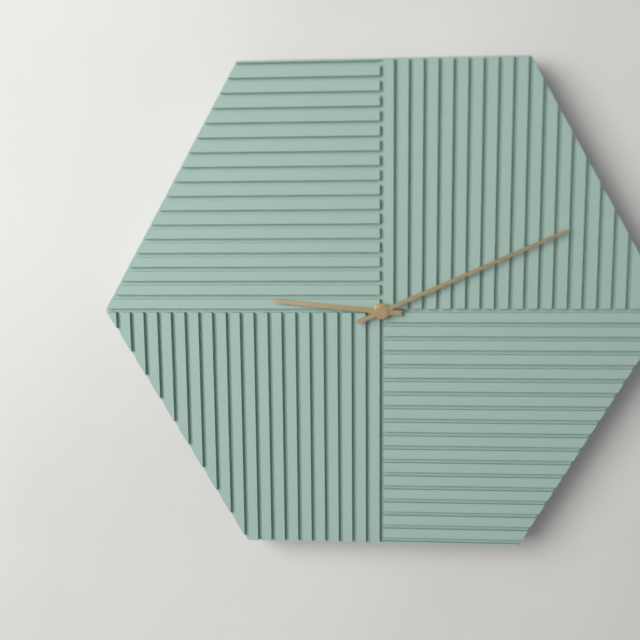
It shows 9:11
